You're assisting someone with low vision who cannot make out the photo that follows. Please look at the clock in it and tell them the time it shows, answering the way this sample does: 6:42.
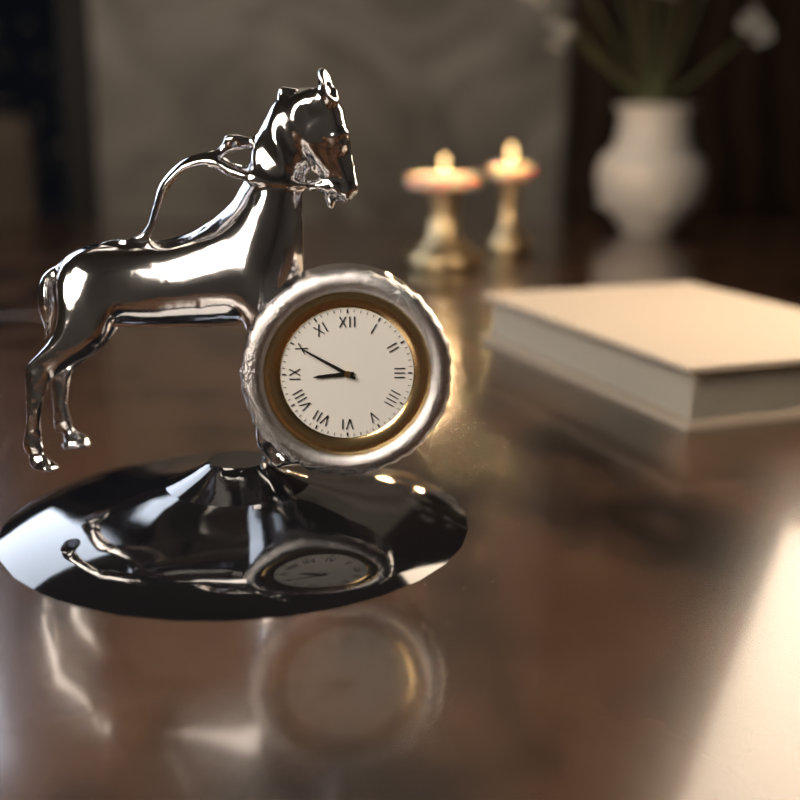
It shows 8:50
